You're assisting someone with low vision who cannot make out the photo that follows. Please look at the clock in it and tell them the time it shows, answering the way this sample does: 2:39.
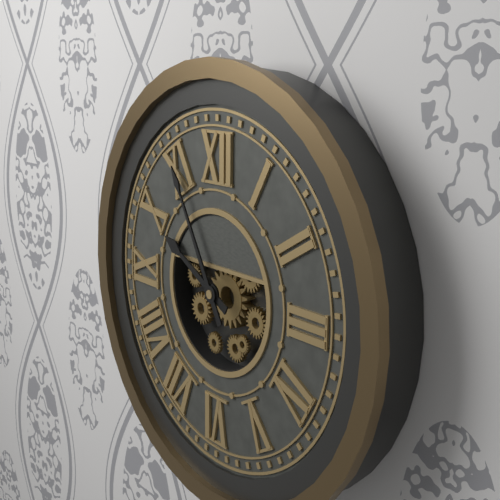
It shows 9:55
